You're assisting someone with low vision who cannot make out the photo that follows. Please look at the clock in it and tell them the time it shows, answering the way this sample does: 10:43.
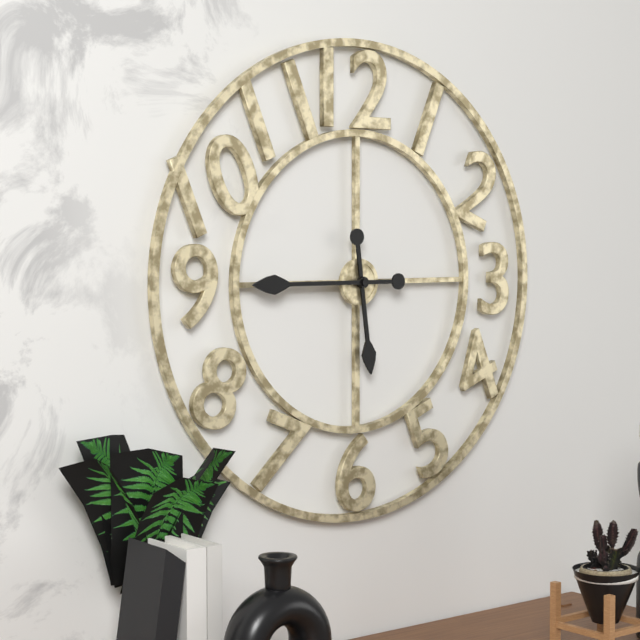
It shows 5:45
